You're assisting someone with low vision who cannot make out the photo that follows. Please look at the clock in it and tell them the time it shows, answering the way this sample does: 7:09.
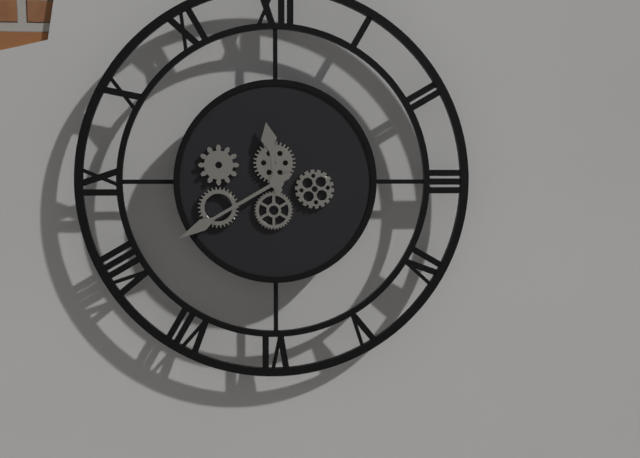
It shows 11:40
